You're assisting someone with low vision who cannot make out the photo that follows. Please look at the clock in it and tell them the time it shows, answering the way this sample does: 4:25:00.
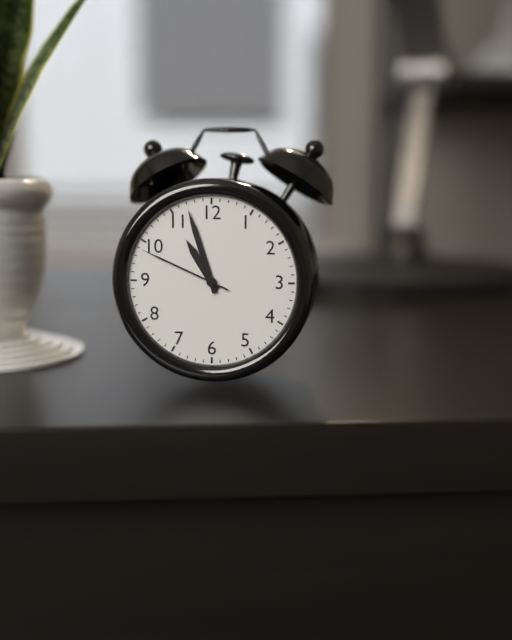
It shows 10:57:49
